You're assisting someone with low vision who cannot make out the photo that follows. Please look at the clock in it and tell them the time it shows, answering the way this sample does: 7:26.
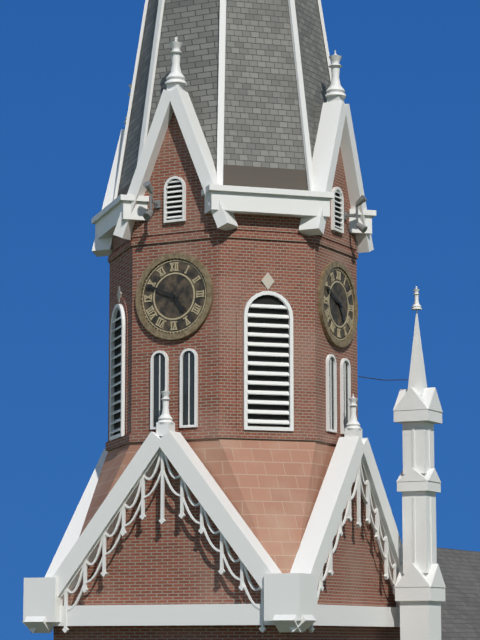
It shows 4:49
